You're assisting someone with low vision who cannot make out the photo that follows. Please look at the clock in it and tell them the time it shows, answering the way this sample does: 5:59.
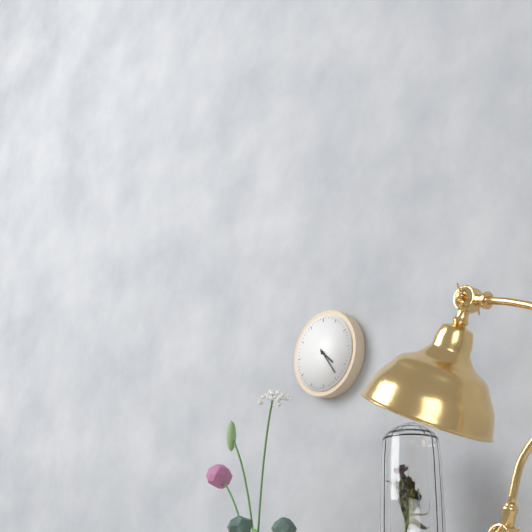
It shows 4:24
